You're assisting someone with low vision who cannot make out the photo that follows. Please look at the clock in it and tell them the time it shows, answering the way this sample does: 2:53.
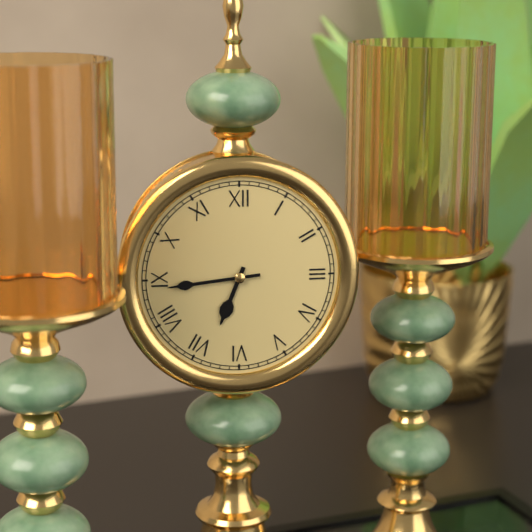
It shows 6:44
